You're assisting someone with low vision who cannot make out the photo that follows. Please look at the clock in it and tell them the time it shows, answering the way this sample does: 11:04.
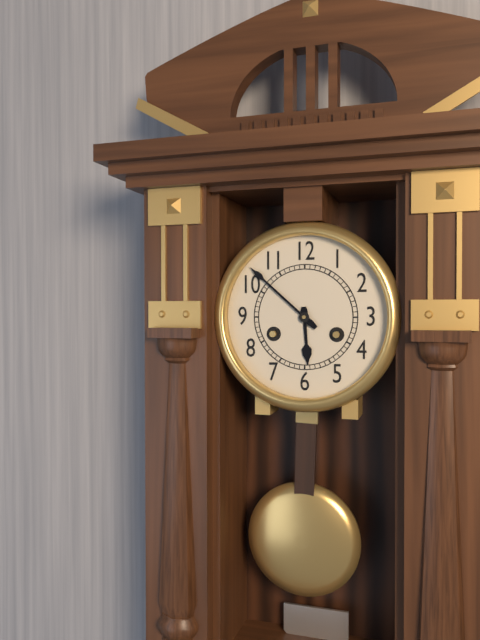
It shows 5:52
